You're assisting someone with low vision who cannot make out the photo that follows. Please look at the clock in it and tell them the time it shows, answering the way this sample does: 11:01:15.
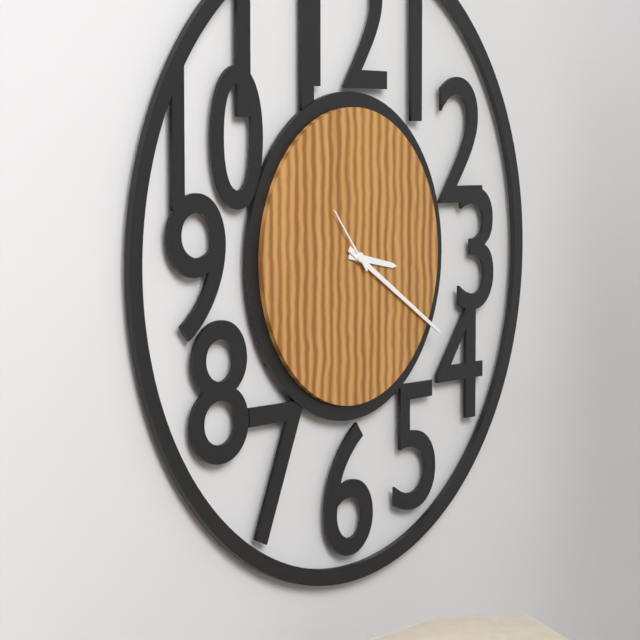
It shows 3:20:53
